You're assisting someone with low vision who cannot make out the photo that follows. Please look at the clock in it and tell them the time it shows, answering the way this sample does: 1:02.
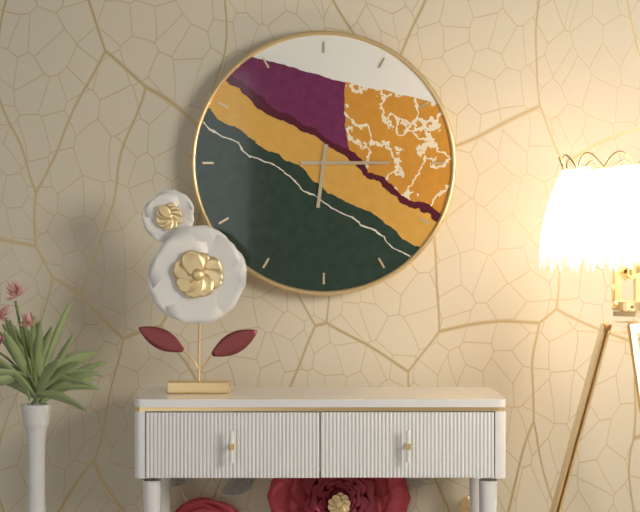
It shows 6:15
